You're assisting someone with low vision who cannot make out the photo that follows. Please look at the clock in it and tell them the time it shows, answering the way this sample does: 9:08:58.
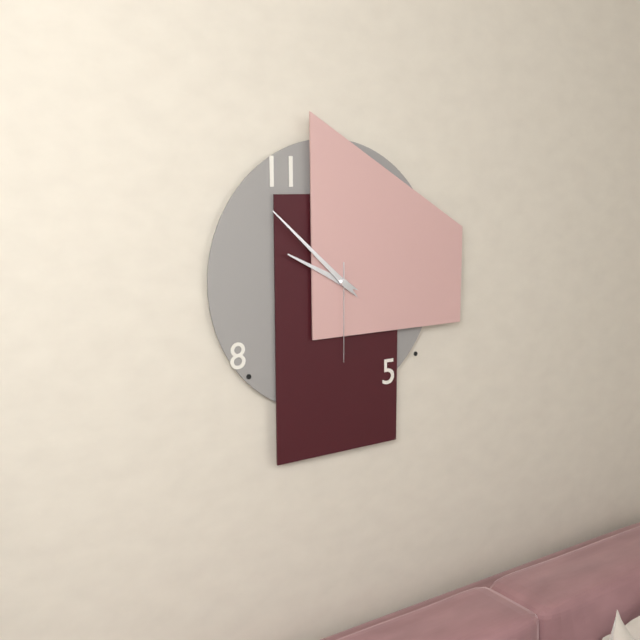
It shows 9:52:30
